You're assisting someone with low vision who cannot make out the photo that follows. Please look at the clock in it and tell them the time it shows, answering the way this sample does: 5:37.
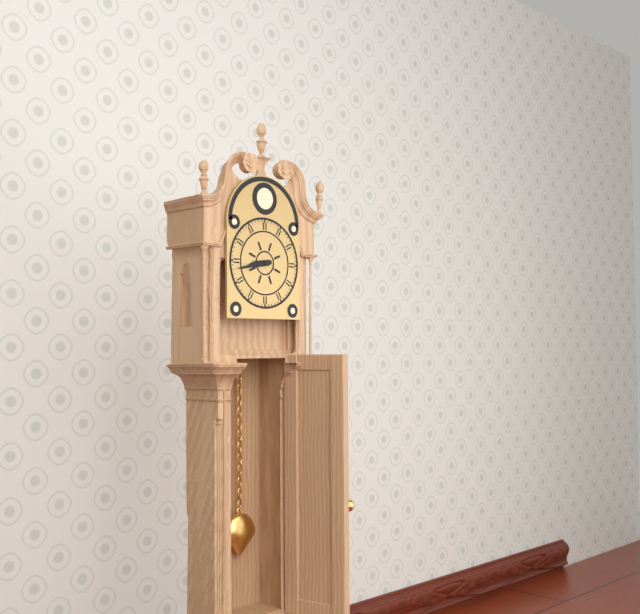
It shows 8:43
